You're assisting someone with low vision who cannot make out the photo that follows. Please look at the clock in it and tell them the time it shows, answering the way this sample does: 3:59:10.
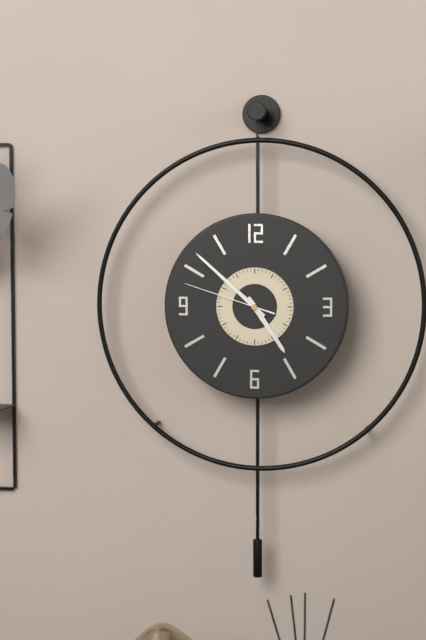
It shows 4:52:48
